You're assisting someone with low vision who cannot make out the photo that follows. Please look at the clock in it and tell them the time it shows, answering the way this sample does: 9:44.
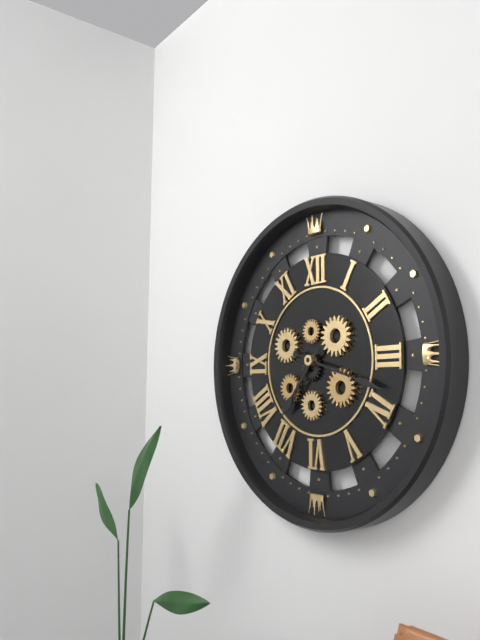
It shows 7:18
